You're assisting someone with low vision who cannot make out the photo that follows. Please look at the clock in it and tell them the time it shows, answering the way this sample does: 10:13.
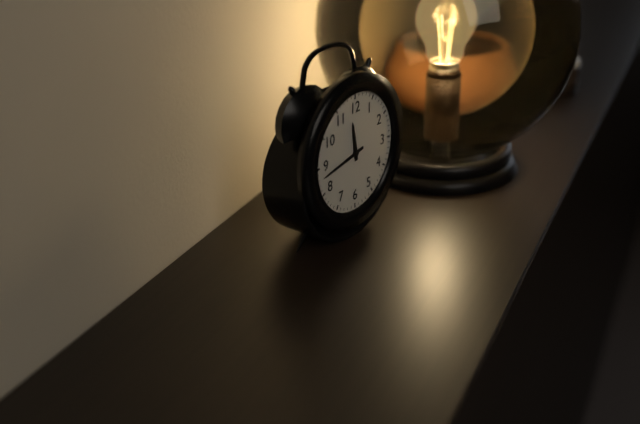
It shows 11:43
